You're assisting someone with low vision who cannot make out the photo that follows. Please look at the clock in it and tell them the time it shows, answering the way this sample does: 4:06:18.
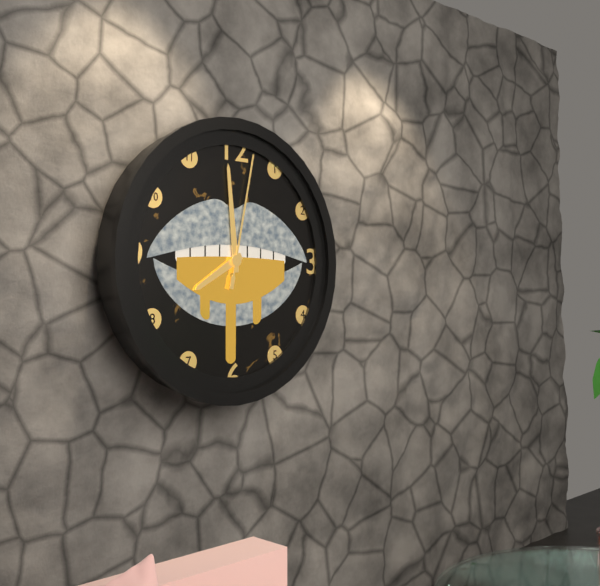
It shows 7:59:02
